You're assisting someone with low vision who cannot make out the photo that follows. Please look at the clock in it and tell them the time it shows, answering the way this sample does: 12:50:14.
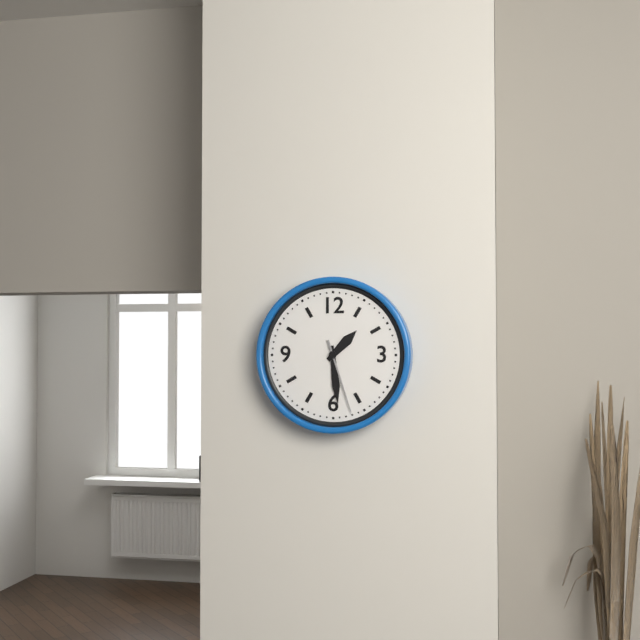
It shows 1:29:27
